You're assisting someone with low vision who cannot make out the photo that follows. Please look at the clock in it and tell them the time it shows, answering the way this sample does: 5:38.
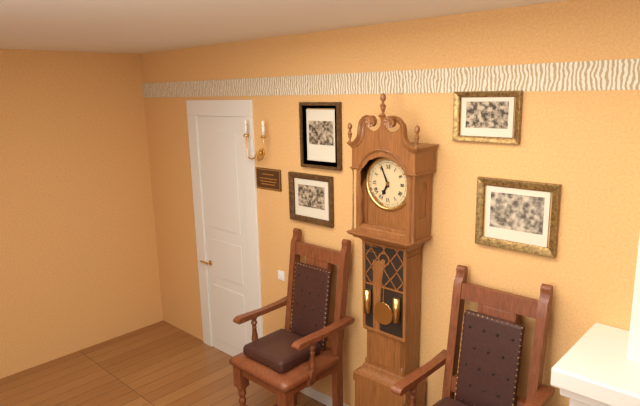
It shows 6:56
